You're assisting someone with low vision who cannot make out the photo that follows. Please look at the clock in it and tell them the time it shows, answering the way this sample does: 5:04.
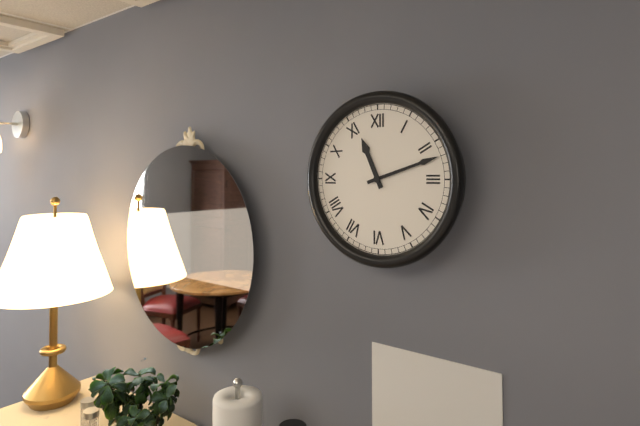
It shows 11:12
